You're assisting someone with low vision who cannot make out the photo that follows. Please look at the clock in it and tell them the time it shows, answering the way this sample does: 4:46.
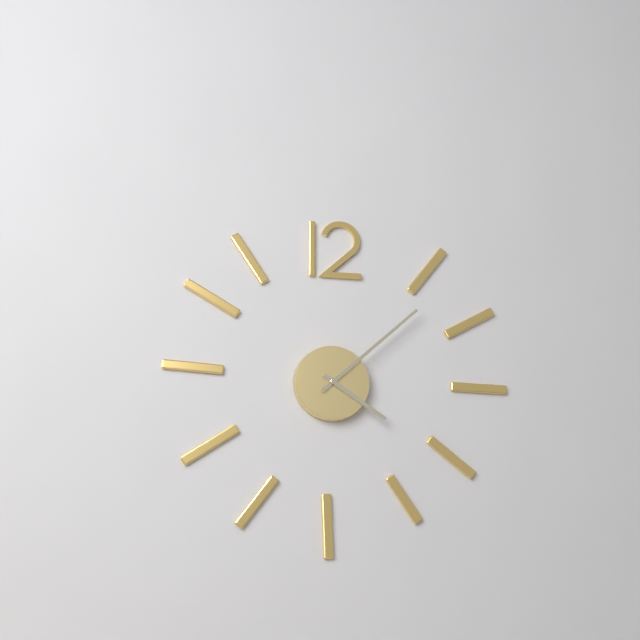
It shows 4:08
